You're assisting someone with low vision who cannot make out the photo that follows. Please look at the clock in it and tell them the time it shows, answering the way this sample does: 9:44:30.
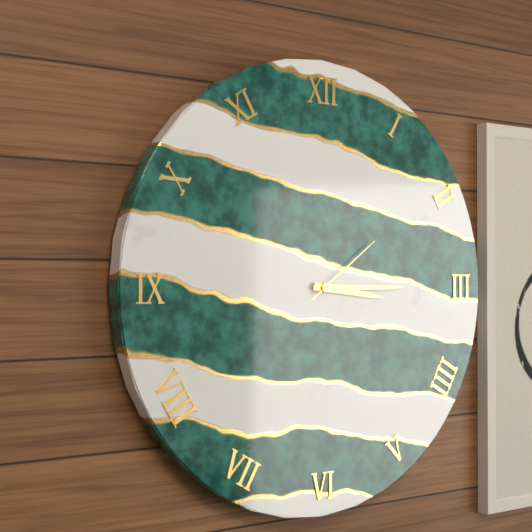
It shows 3:15:09
